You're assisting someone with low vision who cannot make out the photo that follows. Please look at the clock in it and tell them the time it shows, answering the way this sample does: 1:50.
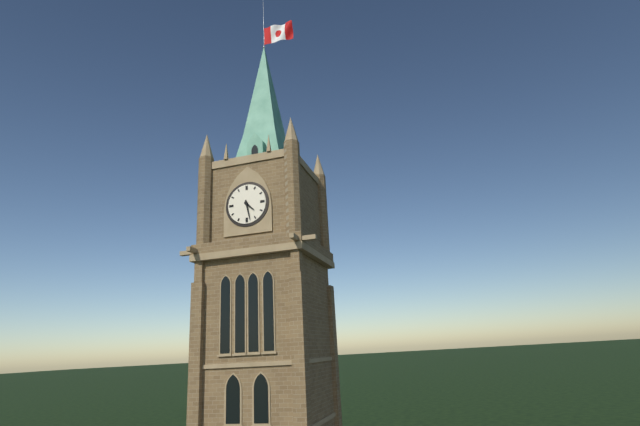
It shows 4:28
